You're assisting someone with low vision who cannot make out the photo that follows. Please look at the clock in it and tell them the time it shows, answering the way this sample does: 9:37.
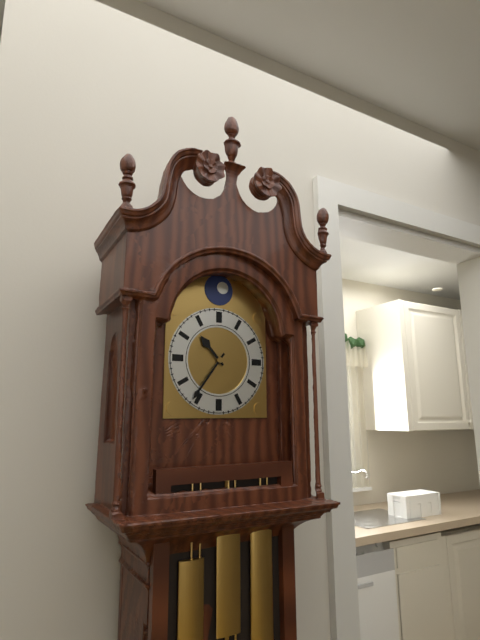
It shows 10:36
